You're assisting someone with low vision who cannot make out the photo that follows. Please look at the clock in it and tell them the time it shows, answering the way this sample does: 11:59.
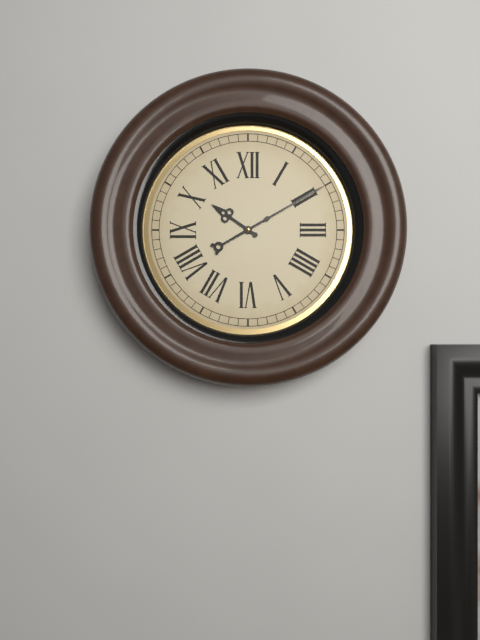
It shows 10:10
